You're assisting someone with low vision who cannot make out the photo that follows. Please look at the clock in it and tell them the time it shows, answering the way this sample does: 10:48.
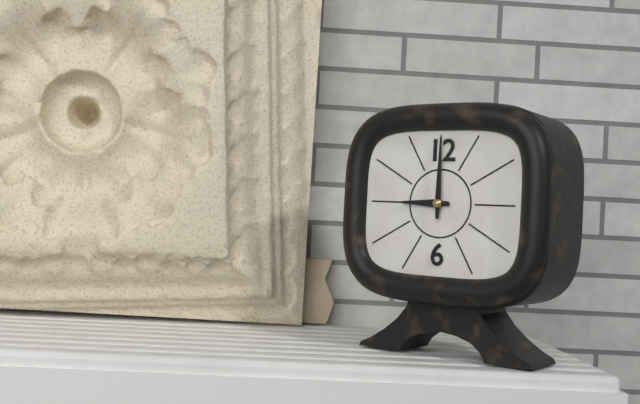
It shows 9:00
